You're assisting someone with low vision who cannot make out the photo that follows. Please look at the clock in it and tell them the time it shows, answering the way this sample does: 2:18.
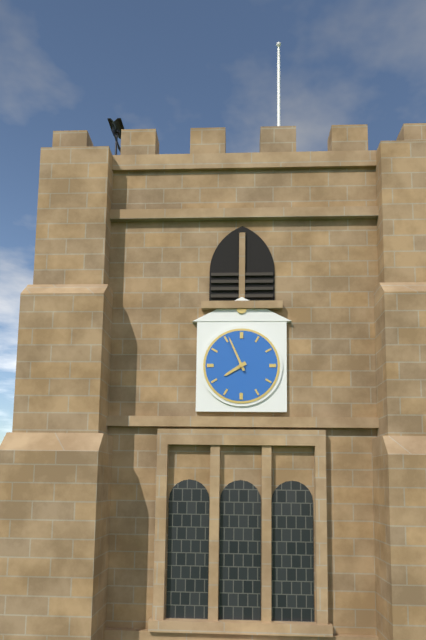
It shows 7:56
